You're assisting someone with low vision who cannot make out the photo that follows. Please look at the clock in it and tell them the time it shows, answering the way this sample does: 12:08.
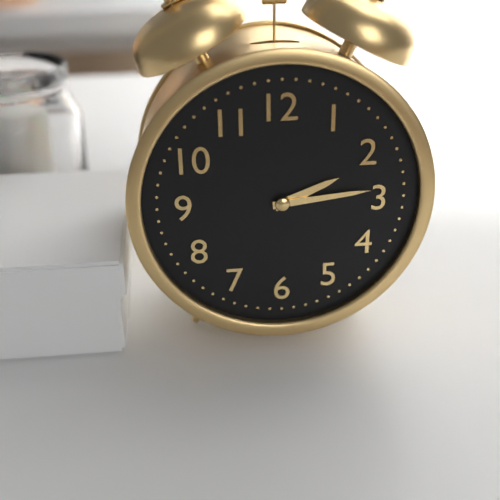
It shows 2:14
